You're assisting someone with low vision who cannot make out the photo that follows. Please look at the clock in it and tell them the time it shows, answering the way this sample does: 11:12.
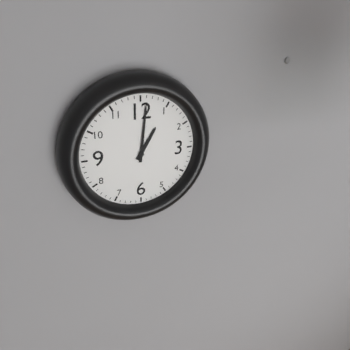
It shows 1:01
